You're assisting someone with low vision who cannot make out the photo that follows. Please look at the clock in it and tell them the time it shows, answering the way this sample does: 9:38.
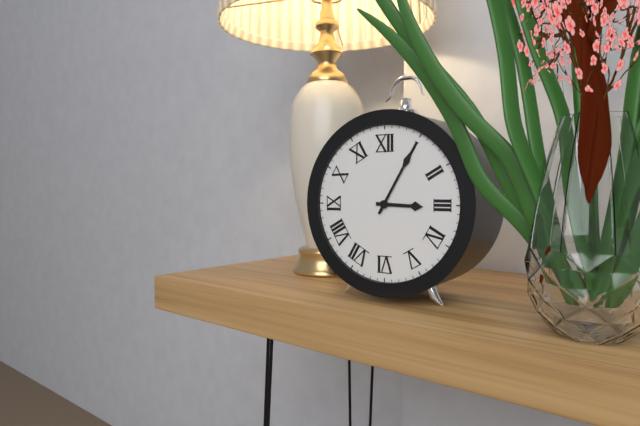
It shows 3:05
